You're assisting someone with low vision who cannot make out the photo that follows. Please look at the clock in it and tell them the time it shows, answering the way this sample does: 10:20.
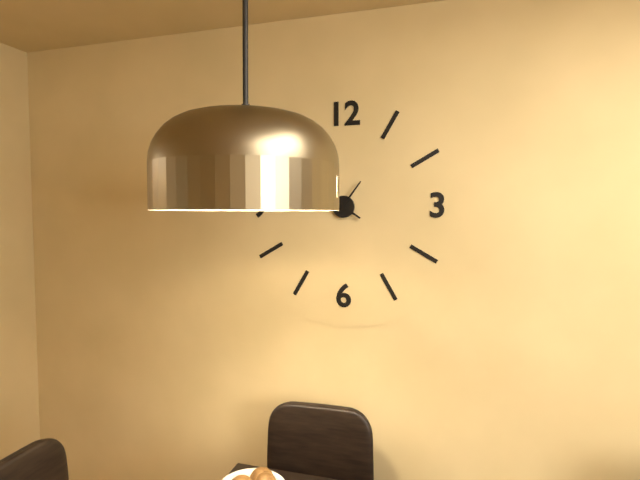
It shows 4:06
